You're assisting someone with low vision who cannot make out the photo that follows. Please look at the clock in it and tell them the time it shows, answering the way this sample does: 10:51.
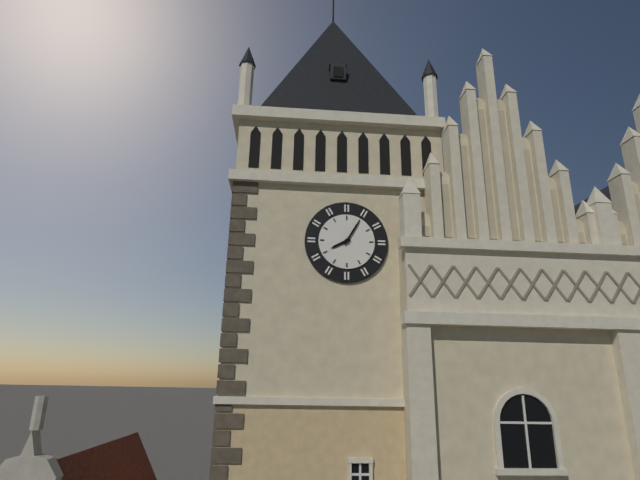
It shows 8:05
